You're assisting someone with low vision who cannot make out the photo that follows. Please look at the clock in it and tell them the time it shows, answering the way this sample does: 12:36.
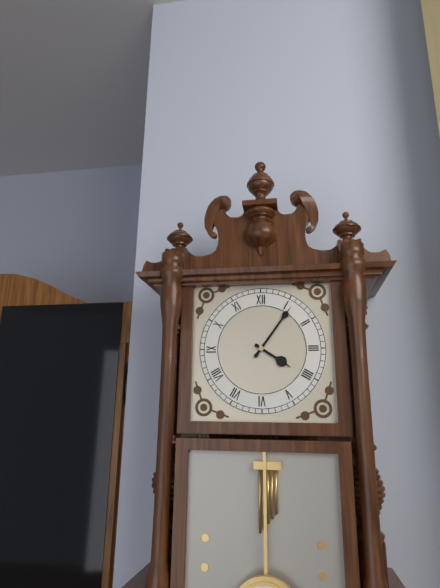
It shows 4:06
